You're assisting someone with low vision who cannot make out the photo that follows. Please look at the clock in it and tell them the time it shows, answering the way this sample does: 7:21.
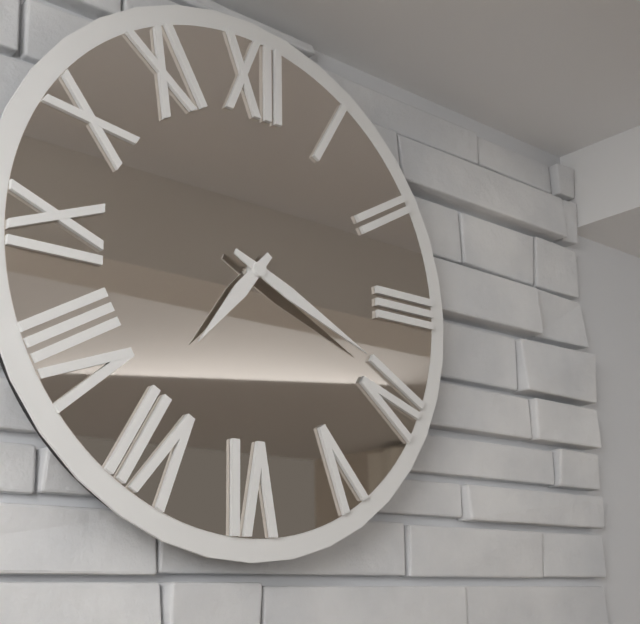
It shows 7:19
